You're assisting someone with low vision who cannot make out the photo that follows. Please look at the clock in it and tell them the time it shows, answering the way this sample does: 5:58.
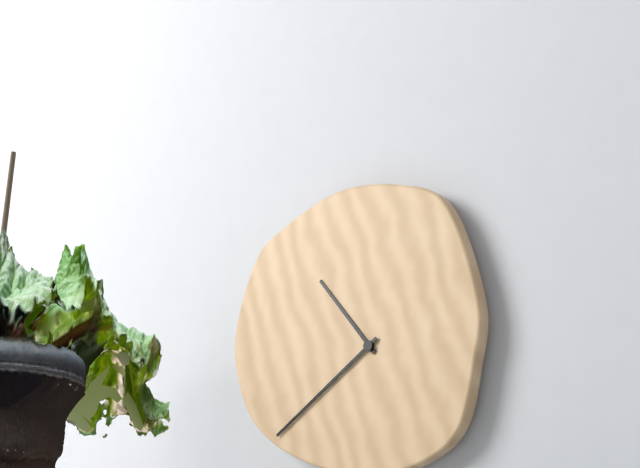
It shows 10:39
